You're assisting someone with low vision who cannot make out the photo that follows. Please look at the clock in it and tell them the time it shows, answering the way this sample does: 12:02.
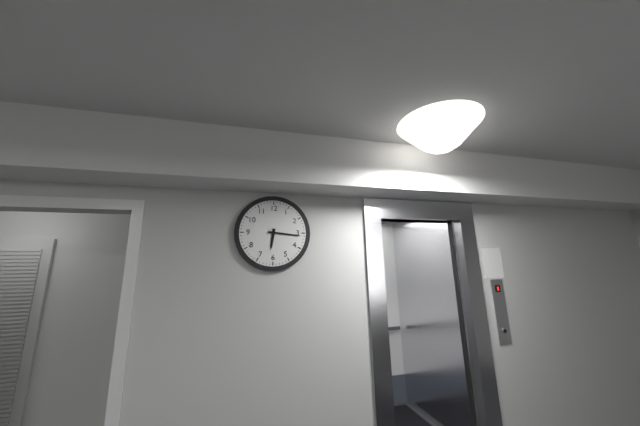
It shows 6:16
